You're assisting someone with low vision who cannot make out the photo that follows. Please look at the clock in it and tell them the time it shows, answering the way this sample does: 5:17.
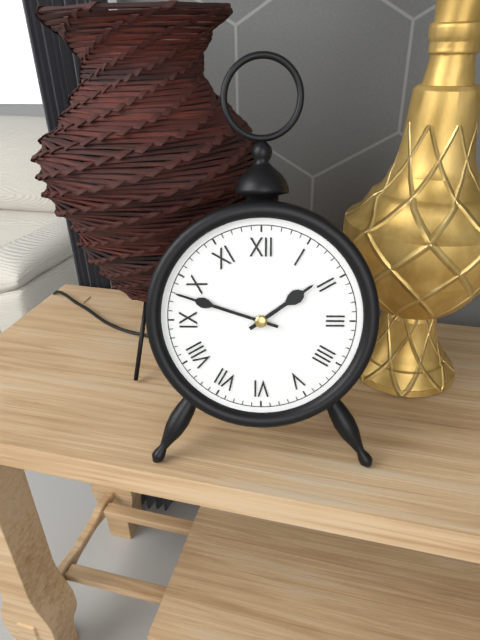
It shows 1:48
